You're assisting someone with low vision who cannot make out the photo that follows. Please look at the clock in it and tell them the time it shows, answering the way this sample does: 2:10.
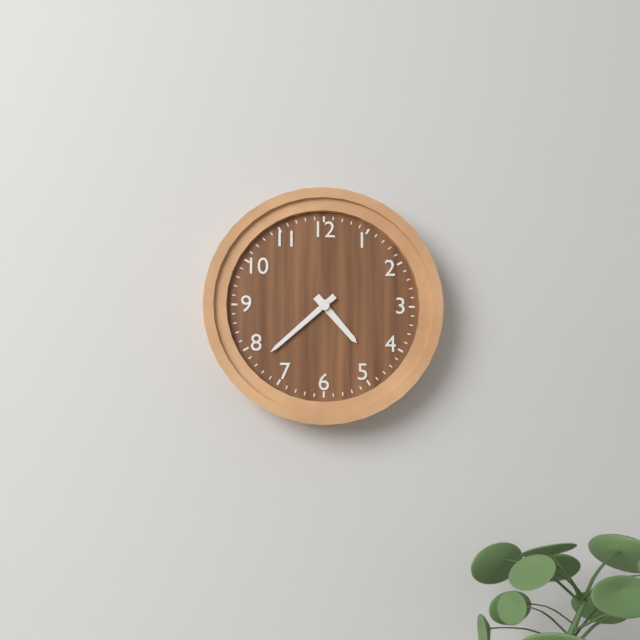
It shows 4:38
